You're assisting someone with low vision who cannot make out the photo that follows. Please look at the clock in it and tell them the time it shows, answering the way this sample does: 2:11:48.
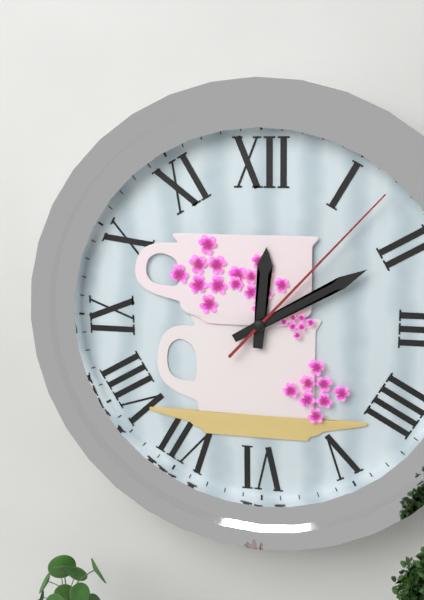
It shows 12:10:07
